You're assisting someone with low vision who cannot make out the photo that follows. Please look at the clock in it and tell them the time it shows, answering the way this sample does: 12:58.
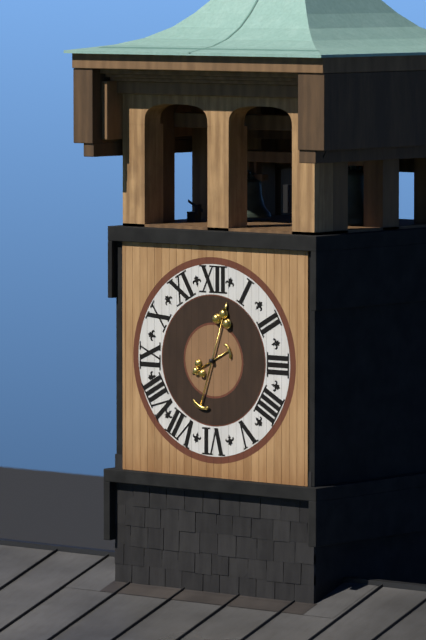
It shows 8:03
